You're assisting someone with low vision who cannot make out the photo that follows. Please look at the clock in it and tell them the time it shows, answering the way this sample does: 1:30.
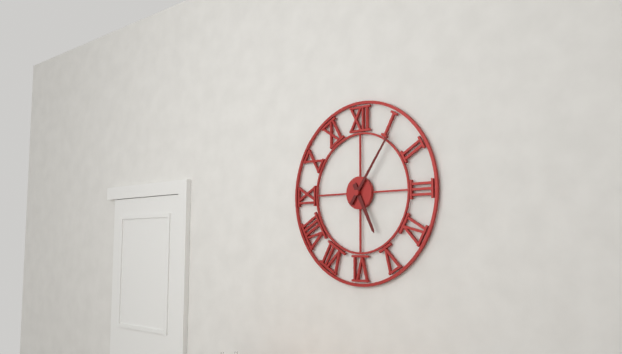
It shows 5:06
